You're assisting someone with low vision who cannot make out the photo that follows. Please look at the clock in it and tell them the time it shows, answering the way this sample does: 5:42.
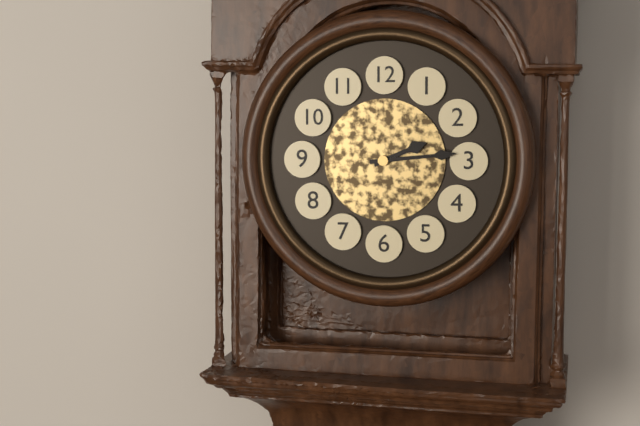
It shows 2:14
